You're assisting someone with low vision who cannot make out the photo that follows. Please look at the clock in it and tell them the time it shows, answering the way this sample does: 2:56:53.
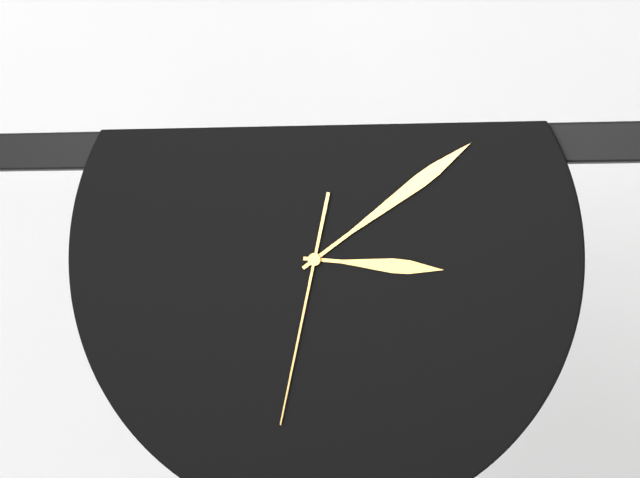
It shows 3:09:32
